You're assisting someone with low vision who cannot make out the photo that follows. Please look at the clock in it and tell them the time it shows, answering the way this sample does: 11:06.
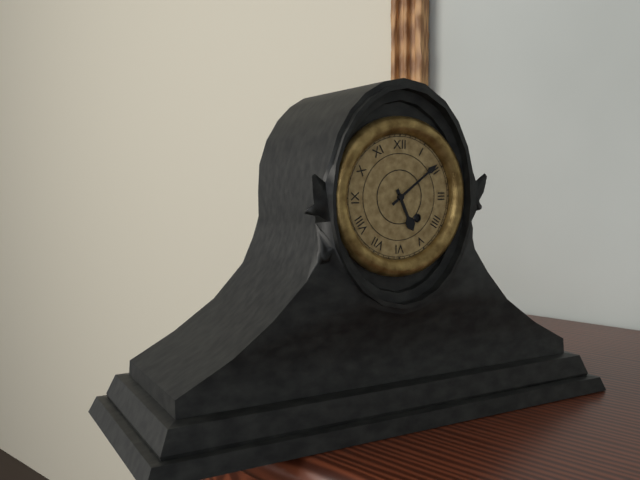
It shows 5:09
